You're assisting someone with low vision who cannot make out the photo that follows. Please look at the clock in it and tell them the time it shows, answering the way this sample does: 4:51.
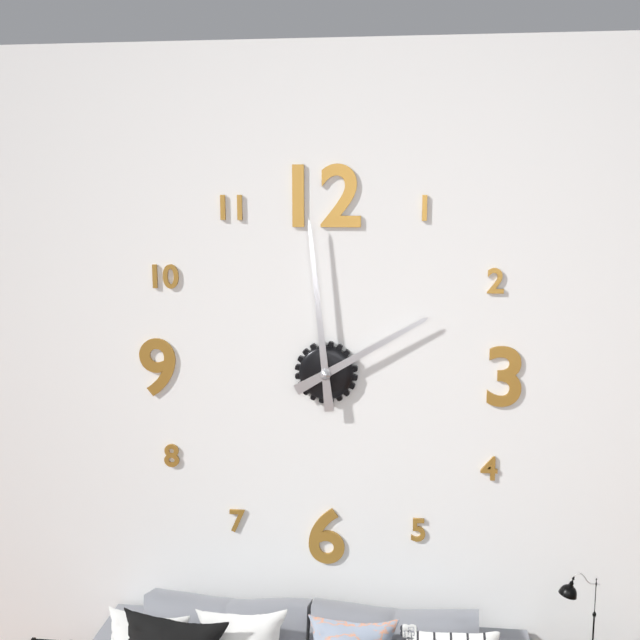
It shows 1:59
